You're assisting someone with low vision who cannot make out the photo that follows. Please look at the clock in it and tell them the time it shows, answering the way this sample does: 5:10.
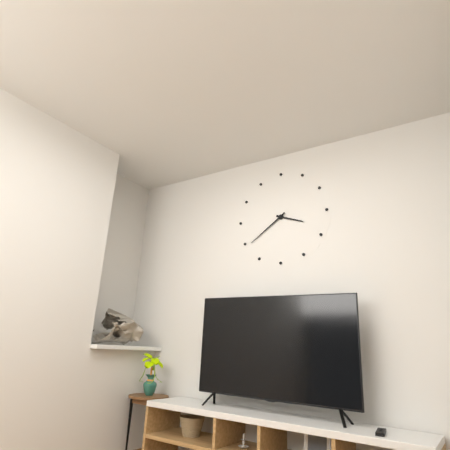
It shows 3:39
